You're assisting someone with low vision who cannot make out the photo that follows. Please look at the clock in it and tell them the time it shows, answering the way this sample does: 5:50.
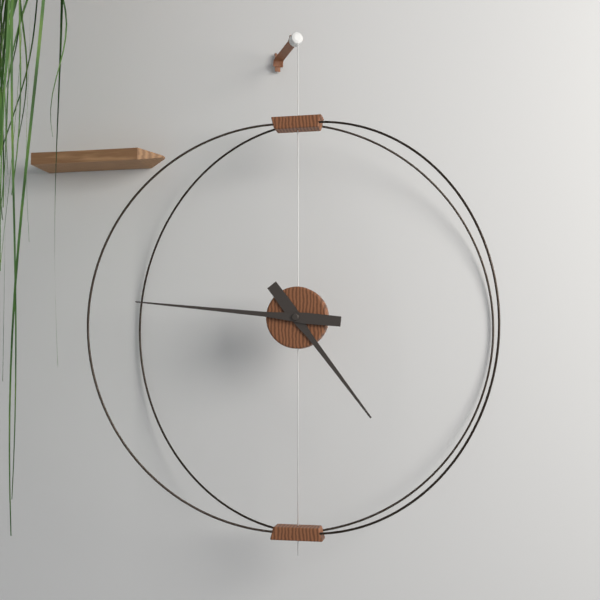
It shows 4:46
